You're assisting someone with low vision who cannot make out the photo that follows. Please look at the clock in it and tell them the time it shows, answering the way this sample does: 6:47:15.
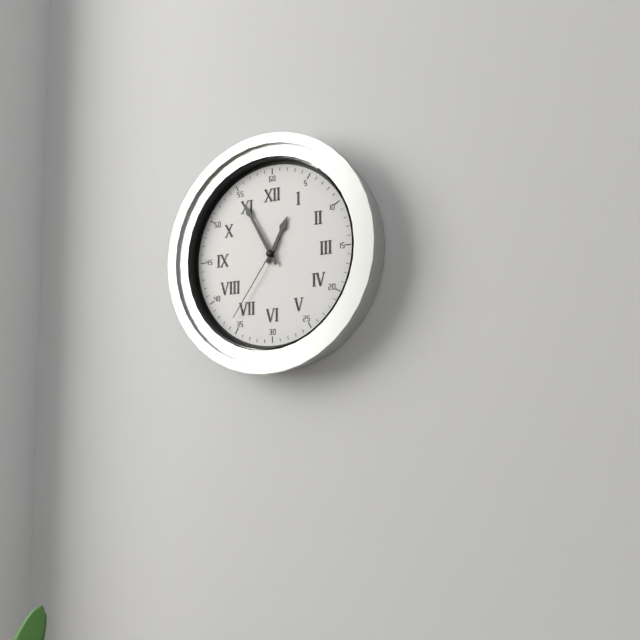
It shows 12:55:36
